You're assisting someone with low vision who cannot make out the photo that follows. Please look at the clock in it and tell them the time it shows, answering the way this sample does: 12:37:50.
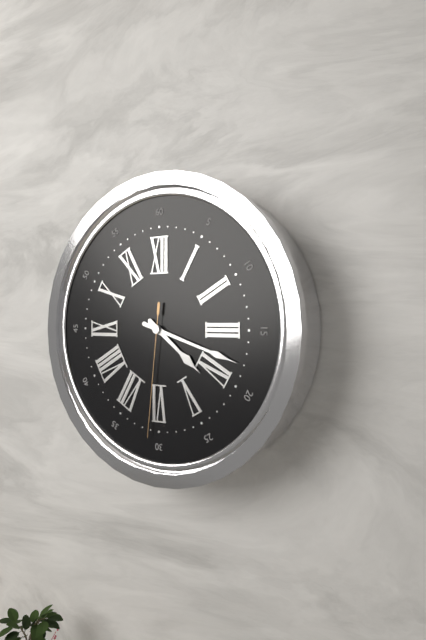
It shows 4:18:31
